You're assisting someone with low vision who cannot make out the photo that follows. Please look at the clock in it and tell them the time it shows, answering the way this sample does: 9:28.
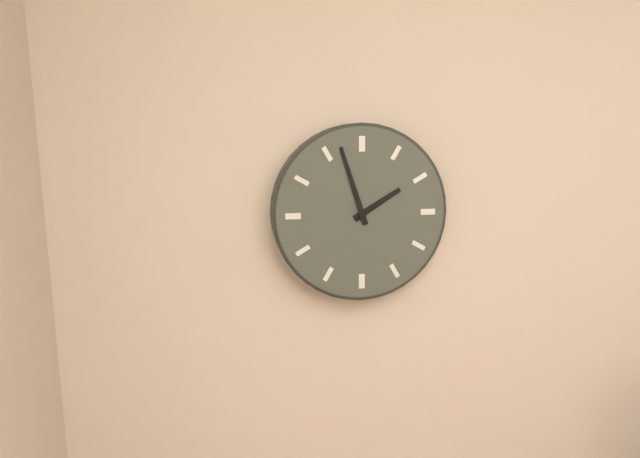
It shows 1:57
